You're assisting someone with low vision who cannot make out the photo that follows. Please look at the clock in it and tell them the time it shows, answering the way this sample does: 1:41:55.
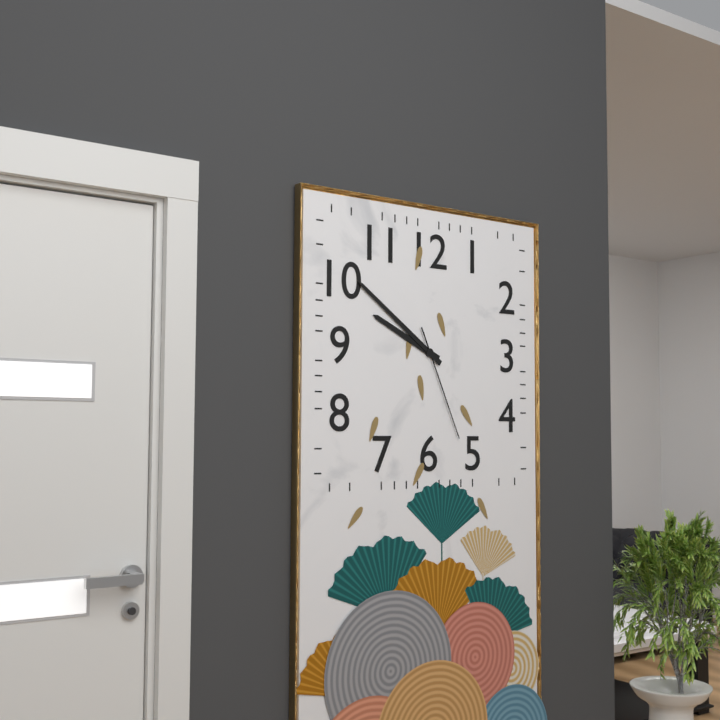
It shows 9:51:26
